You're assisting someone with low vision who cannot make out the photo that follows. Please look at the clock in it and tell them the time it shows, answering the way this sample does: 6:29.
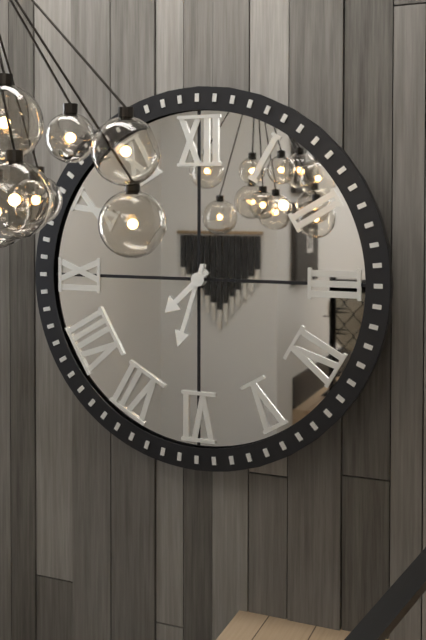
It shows 7:33
